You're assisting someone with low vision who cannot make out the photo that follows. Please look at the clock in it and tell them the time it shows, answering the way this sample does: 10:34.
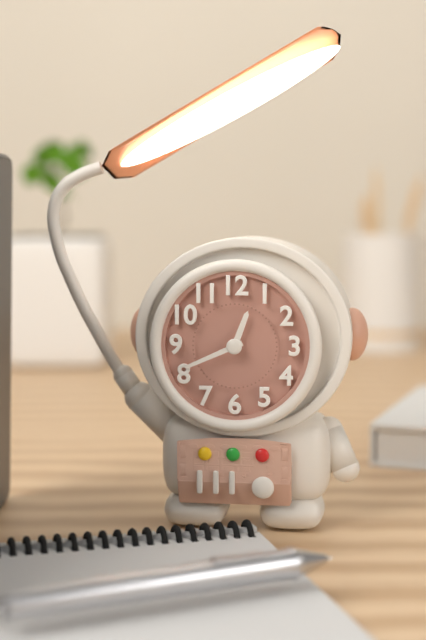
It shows 12:41
